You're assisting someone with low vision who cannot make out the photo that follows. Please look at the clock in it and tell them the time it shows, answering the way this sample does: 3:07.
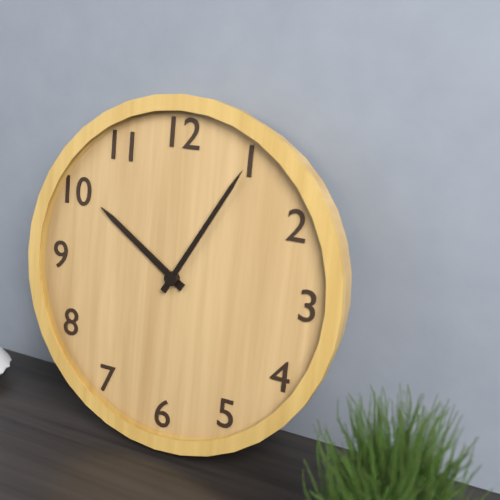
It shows 10:05
